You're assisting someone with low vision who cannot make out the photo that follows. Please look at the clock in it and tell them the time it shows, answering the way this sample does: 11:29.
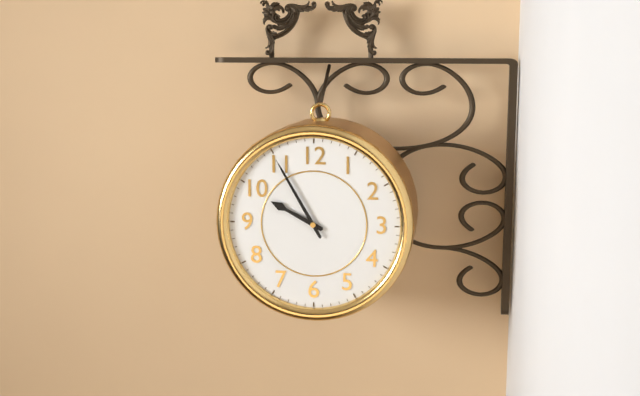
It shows 9:55
